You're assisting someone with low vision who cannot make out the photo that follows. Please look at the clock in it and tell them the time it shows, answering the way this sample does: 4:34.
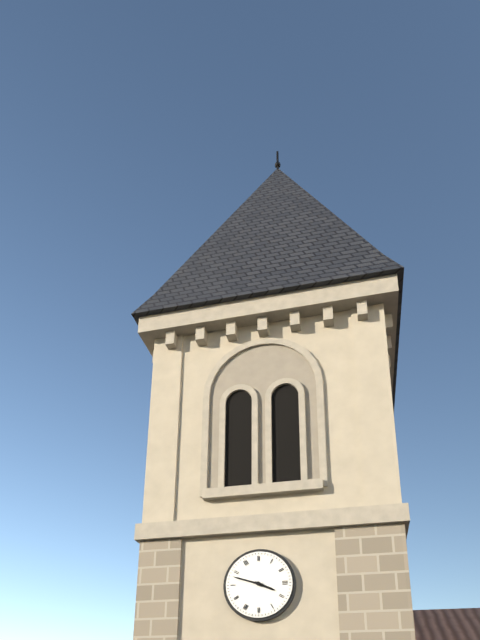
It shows 3:48
